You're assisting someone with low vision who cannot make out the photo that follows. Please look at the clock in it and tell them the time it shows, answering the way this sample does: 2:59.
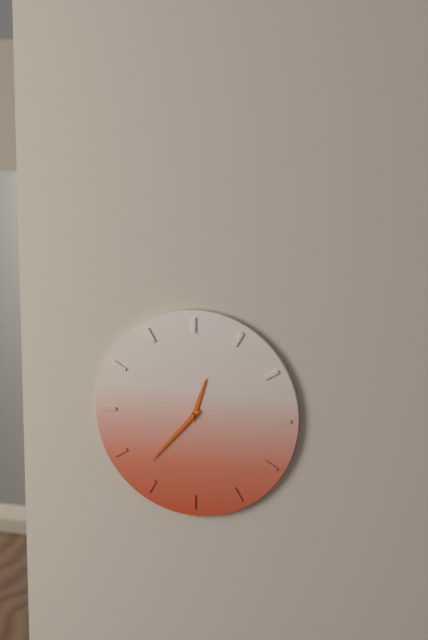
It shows 12:37
